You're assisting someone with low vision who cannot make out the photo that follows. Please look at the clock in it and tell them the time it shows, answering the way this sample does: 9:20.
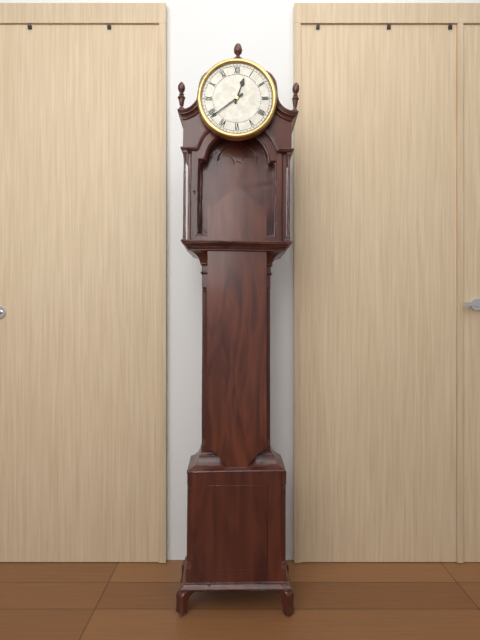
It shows 12:39
